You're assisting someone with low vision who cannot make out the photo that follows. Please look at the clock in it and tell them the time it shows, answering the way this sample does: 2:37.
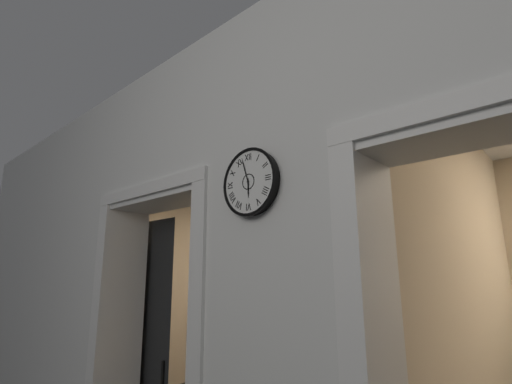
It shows 5:57
